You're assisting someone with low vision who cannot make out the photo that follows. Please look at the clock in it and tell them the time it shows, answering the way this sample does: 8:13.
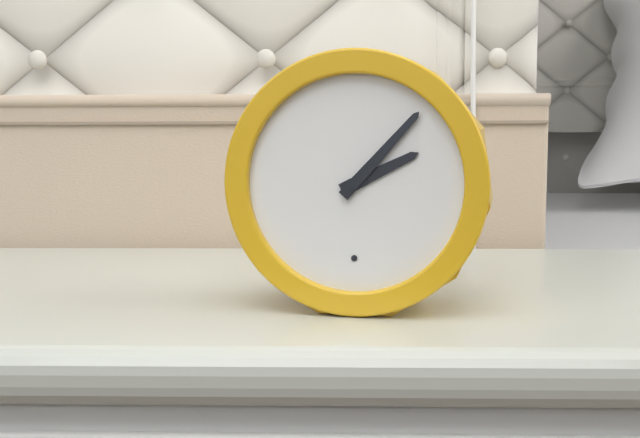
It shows 2:07
